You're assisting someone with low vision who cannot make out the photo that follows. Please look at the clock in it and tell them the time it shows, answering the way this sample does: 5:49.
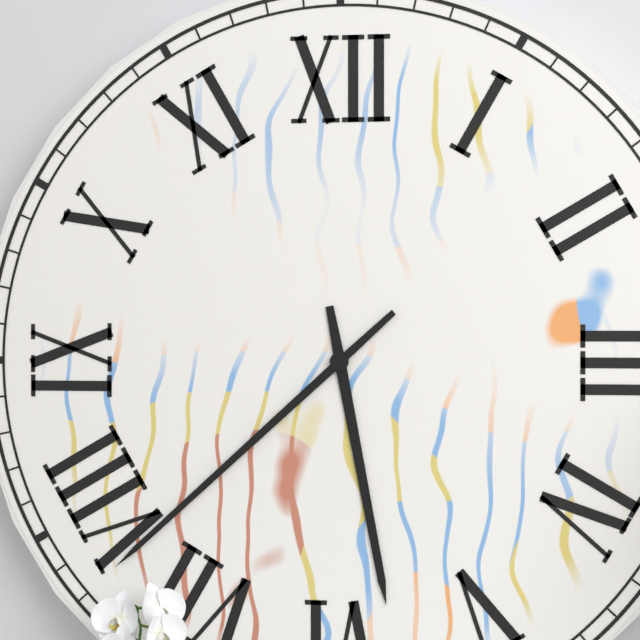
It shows 5:38
